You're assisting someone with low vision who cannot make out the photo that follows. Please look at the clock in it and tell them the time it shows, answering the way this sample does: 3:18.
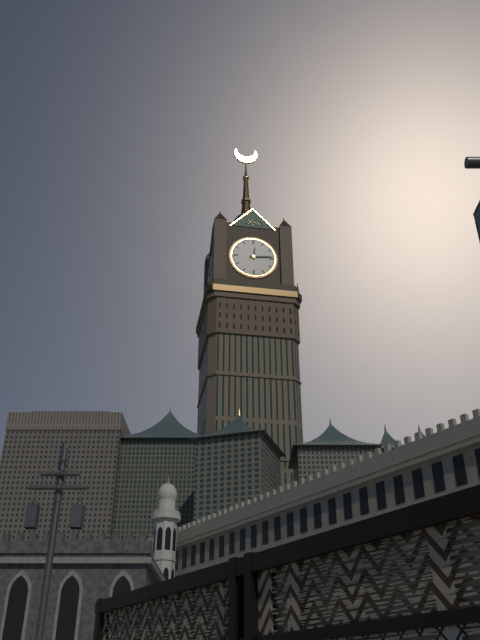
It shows 12:14
